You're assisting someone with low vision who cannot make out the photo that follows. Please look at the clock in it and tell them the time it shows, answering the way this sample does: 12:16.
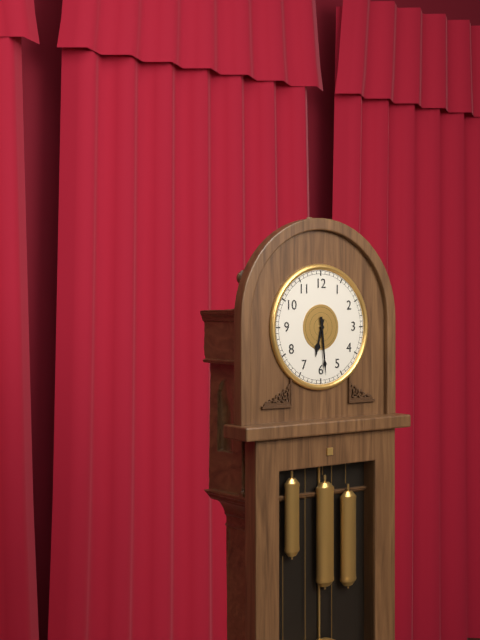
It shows 6:29
